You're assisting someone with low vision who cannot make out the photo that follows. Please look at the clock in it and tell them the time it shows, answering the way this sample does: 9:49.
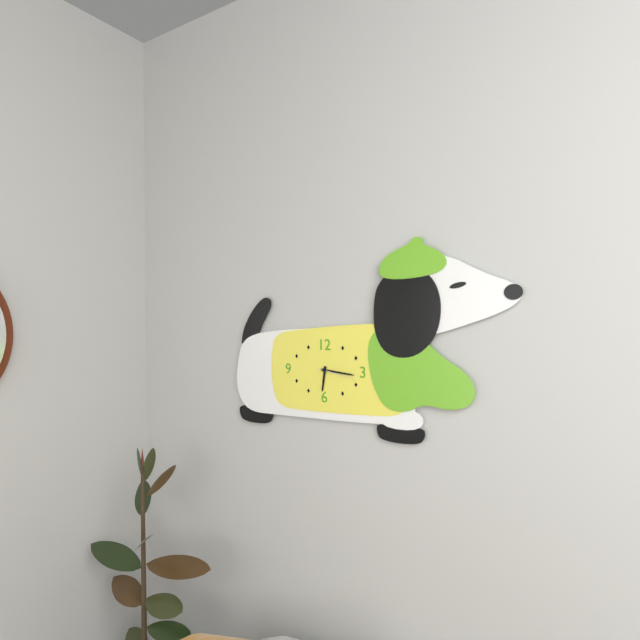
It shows 6:16
